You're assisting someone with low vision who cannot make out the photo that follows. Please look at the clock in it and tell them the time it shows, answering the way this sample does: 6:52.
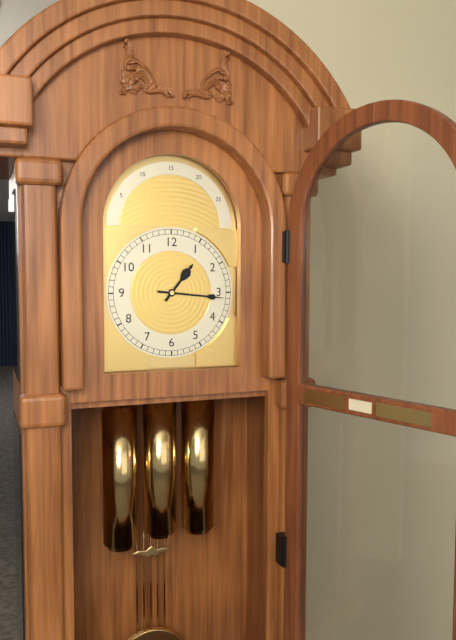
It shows 1:16
